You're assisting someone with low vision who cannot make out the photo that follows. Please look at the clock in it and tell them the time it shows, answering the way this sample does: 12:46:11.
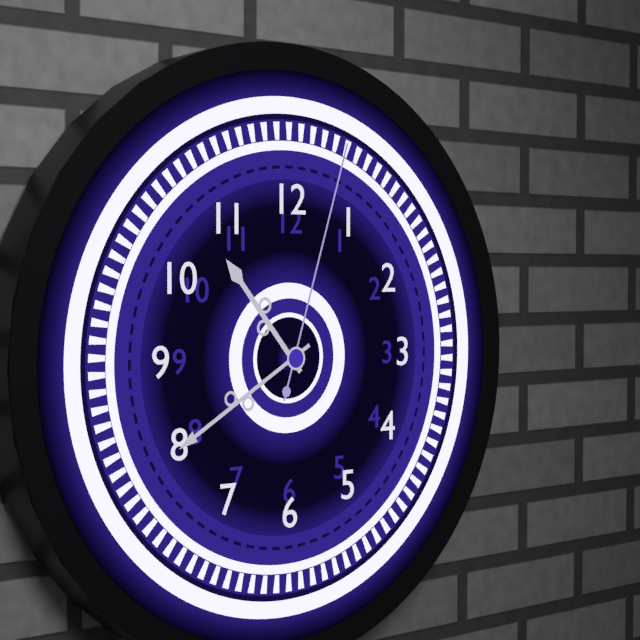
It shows 10:40:03
